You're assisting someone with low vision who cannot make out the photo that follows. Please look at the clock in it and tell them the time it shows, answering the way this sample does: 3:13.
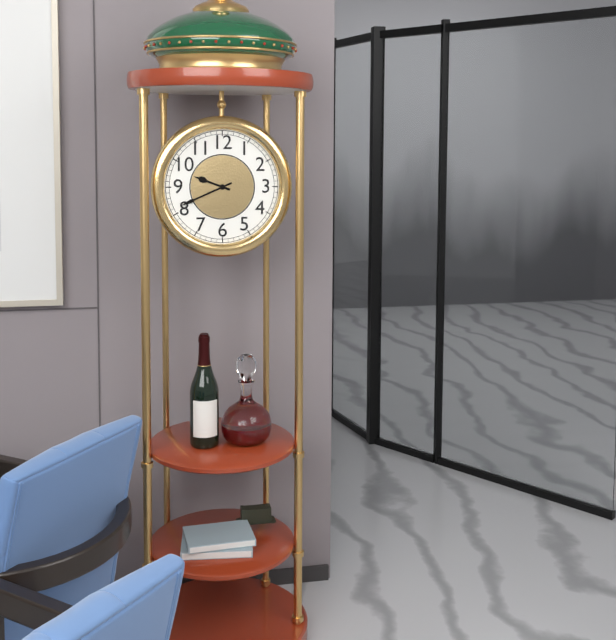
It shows 9:41
